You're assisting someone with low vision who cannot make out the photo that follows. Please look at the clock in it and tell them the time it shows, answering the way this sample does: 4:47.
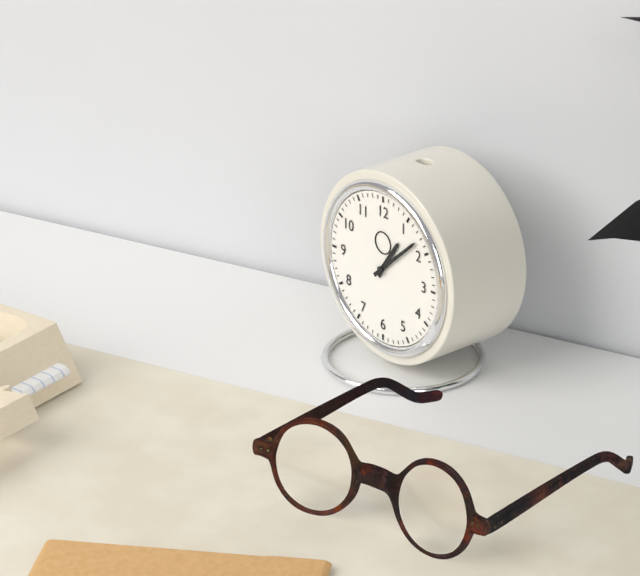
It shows 1:08
